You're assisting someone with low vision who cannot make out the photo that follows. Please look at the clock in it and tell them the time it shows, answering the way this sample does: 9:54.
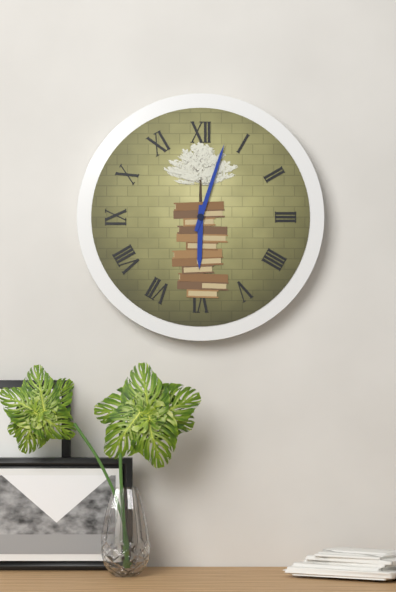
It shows 6:03
